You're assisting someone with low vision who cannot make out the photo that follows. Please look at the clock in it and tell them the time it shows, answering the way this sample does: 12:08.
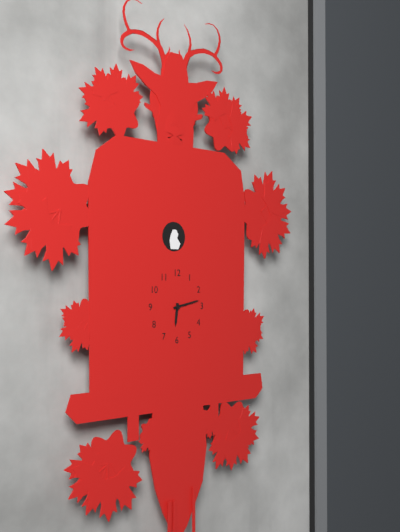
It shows 6:13
